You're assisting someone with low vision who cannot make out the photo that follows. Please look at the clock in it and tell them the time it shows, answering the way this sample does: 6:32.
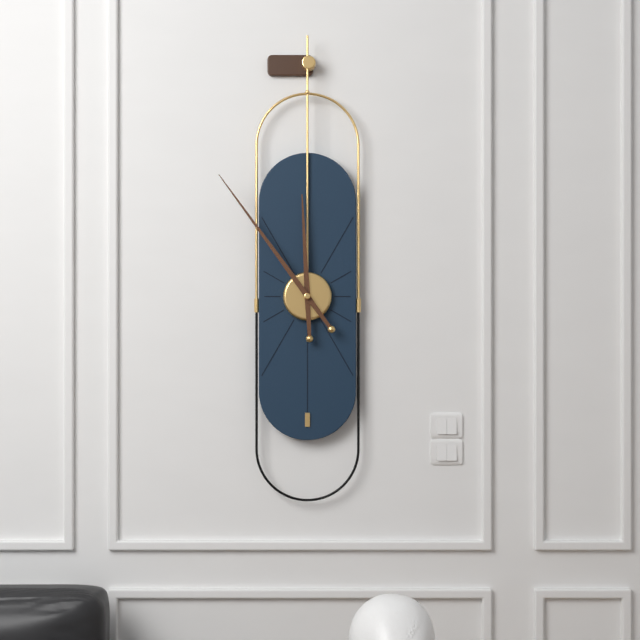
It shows 11:54
